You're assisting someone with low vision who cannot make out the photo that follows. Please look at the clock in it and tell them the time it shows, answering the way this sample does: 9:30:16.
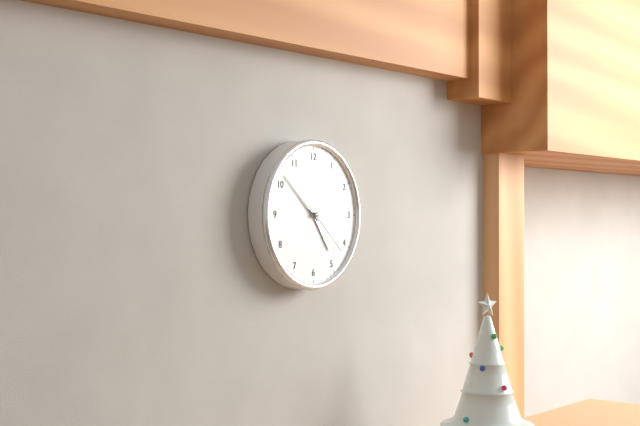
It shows 4:52:22
